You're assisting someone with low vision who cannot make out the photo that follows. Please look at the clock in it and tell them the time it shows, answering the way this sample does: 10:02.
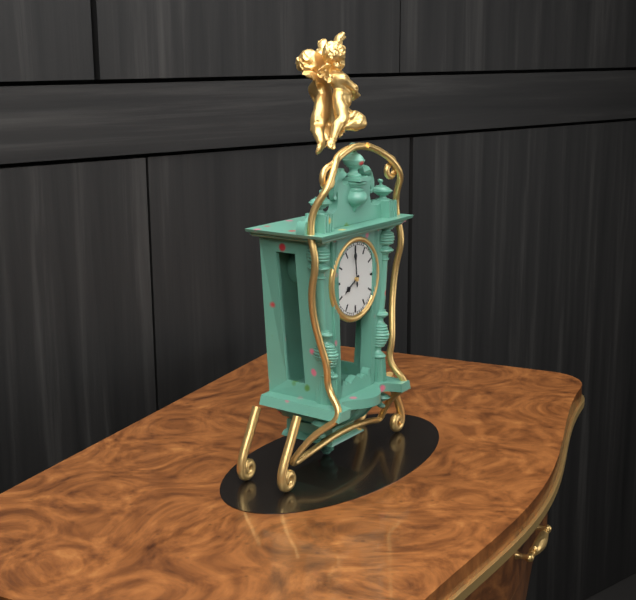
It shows 7:59
